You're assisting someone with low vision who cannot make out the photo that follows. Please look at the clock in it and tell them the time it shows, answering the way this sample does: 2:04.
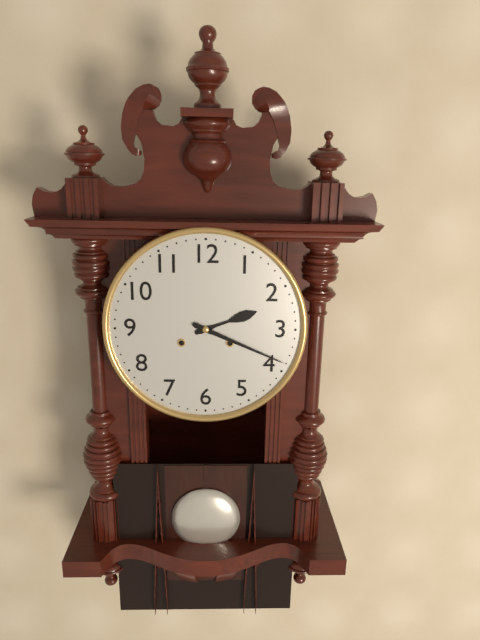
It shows 2:19
